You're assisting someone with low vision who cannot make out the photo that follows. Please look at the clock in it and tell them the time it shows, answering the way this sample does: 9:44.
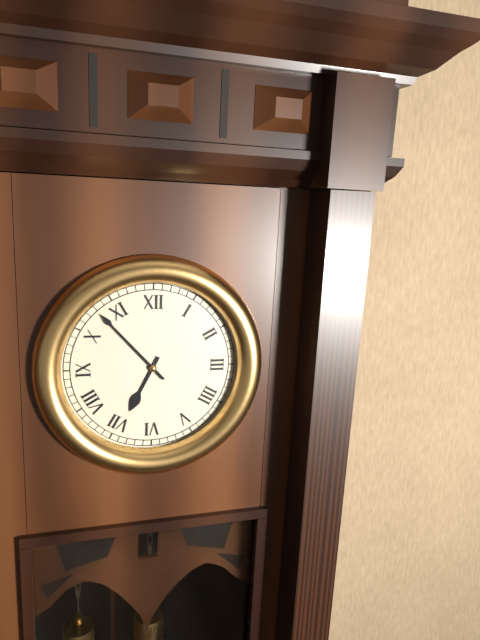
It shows 6:53
